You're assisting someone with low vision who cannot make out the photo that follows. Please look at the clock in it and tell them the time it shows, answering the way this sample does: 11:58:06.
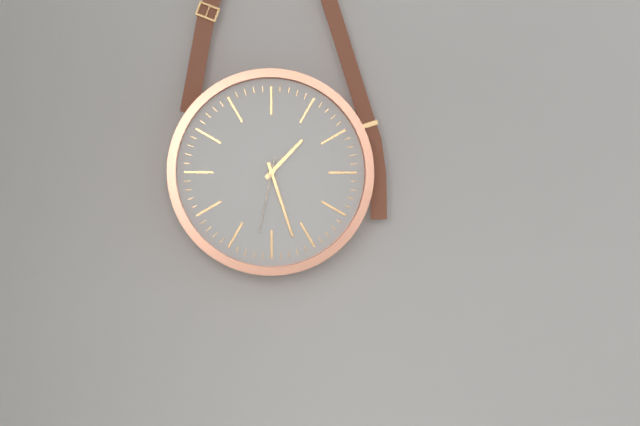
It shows 1:27:32
